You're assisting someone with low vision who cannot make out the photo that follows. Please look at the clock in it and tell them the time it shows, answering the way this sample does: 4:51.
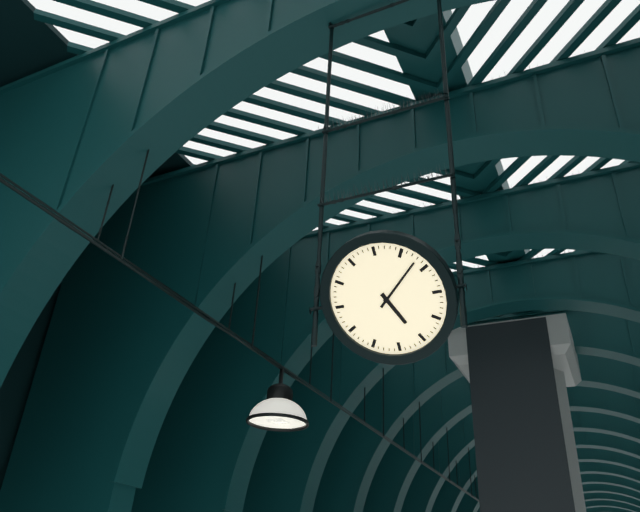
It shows 5:08
